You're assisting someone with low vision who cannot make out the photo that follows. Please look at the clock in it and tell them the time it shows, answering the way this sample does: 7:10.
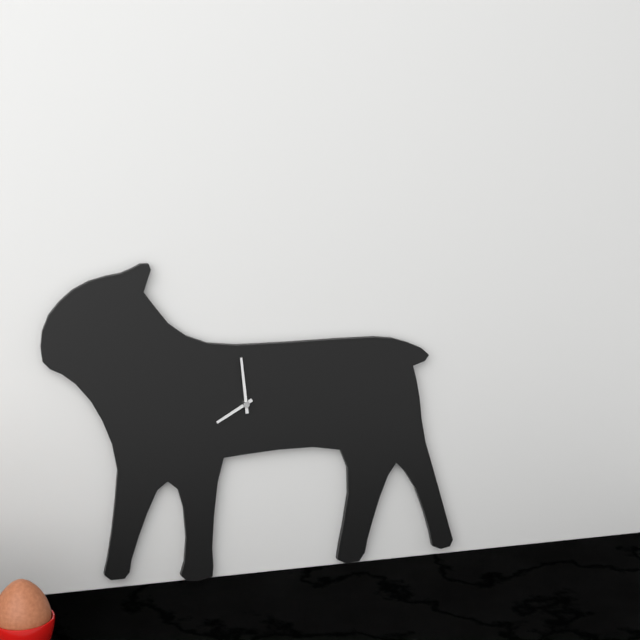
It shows 7:59
